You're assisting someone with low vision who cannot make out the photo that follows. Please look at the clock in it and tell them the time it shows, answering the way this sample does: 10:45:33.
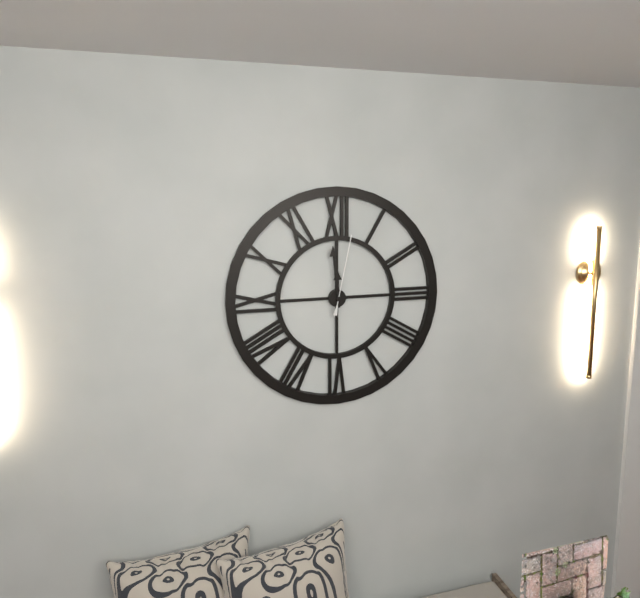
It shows 11:59:02
